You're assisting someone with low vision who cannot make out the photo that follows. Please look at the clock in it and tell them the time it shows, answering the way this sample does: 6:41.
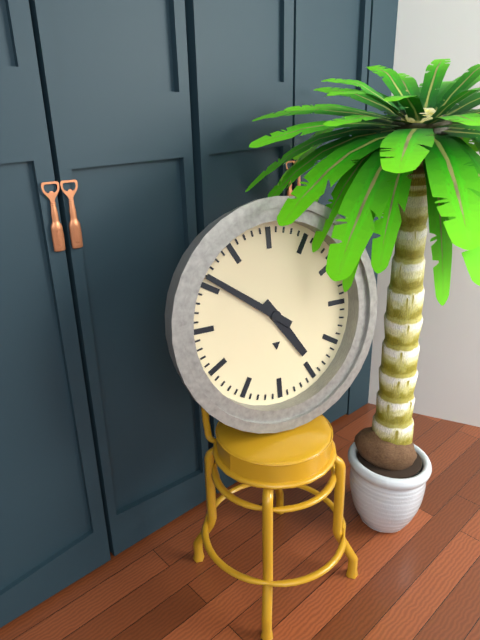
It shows 4:51
